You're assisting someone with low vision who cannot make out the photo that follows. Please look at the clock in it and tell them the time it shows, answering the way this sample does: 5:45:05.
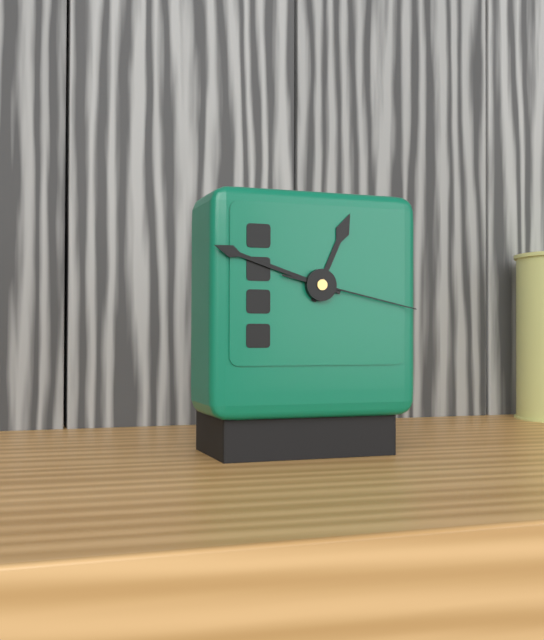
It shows 12:48:17
